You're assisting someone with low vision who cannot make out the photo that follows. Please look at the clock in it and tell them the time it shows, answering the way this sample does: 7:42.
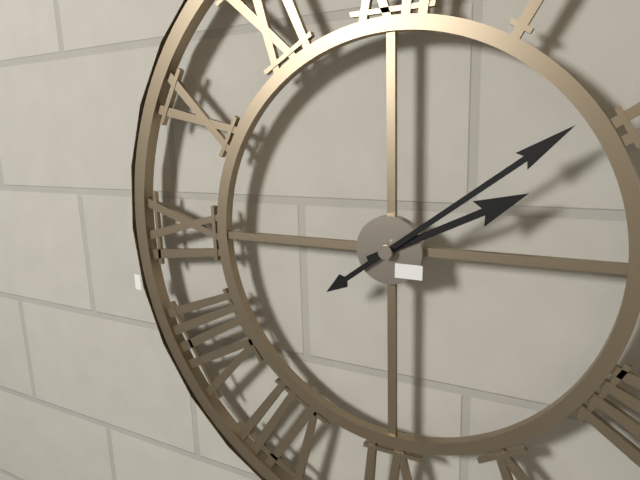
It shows 2:09
